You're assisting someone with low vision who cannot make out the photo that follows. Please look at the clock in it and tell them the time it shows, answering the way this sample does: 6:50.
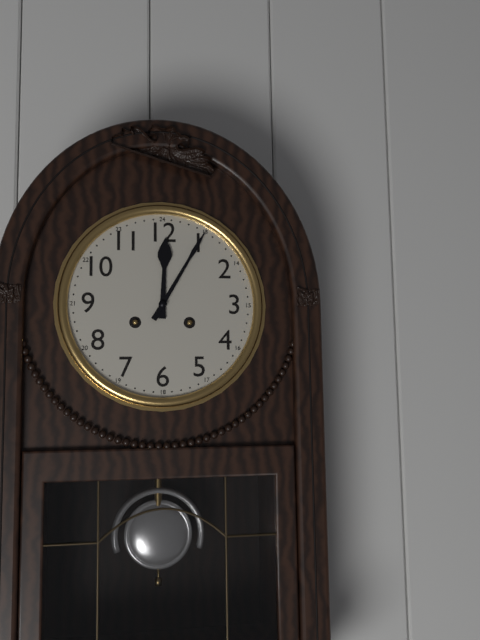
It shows 12:05
